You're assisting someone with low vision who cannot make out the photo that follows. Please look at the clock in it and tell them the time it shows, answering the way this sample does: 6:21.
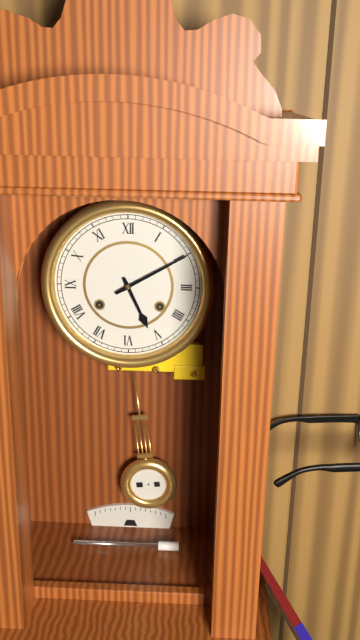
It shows 5:10
